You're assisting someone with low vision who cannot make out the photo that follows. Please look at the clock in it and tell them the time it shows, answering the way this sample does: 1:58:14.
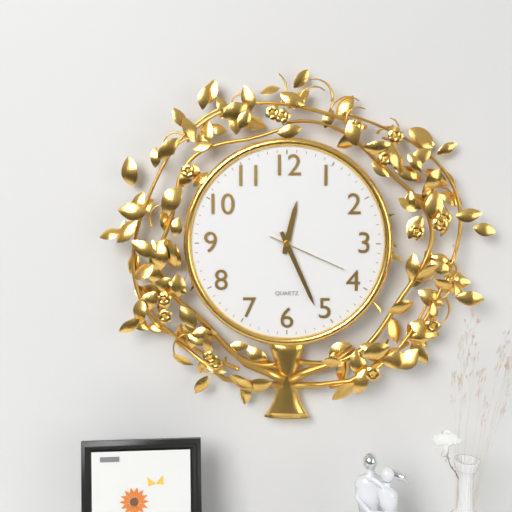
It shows 12:26:19
